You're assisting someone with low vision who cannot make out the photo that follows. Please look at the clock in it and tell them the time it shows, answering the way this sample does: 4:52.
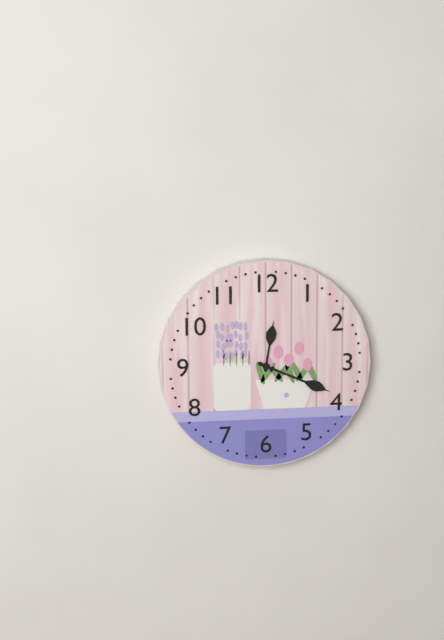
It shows 12:19
